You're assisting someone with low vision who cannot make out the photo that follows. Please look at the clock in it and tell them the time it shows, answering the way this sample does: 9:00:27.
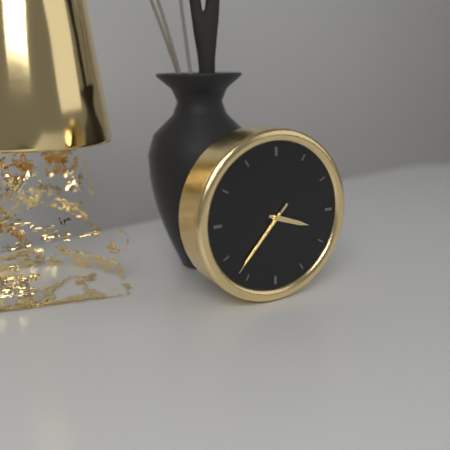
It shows 3:37:37
